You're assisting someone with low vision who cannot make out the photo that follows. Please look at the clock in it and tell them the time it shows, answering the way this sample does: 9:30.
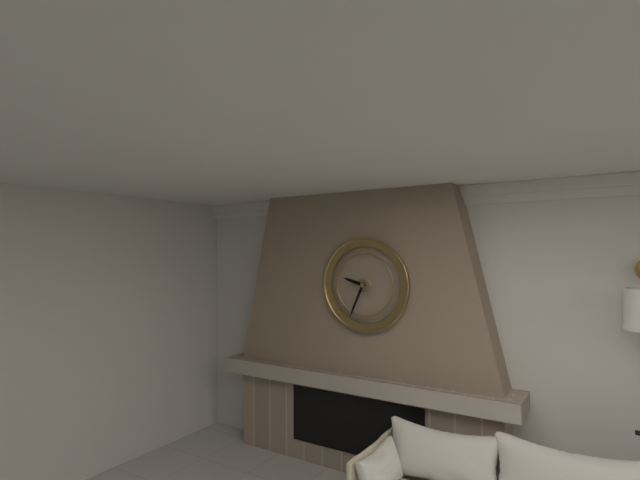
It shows 9:34
